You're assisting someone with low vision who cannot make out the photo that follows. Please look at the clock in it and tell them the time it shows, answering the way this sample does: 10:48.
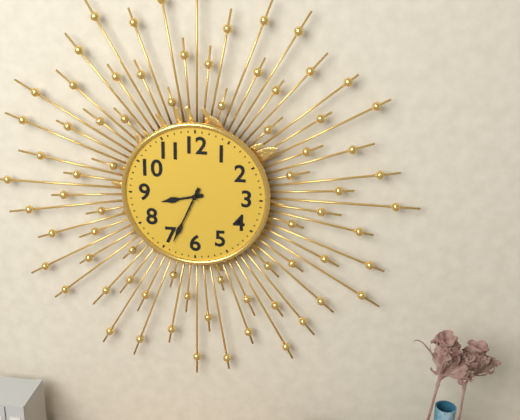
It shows 8:34
